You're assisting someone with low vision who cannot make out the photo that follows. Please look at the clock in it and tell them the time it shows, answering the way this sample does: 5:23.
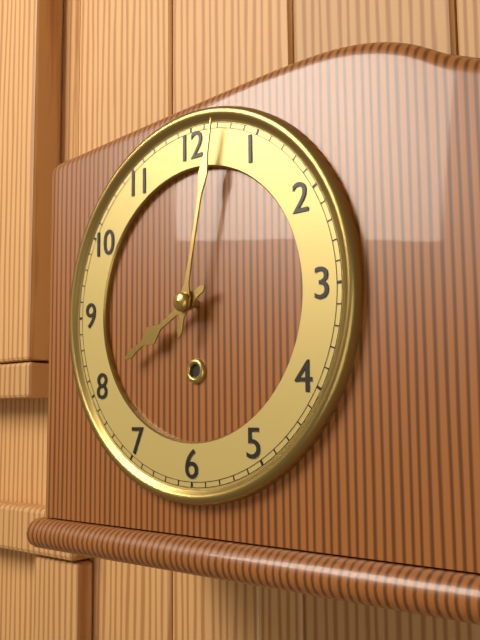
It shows 8:02
